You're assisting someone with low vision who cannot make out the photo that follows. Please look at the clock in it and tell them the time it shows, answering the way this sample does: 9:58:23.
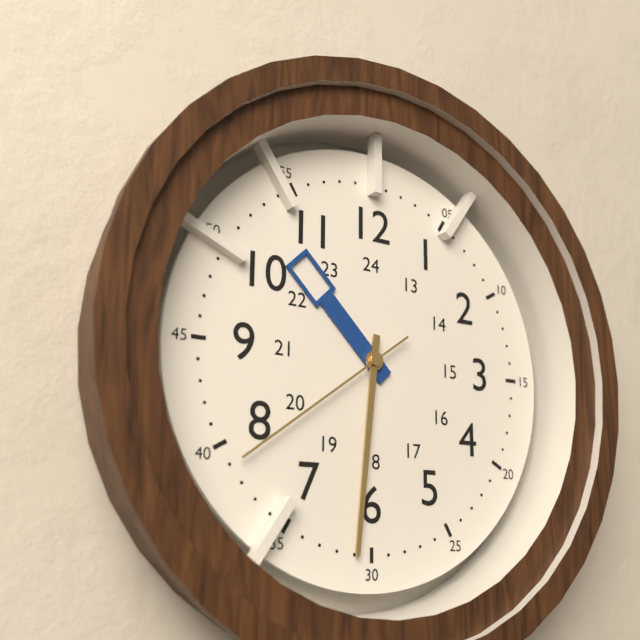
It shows 10:31:39
